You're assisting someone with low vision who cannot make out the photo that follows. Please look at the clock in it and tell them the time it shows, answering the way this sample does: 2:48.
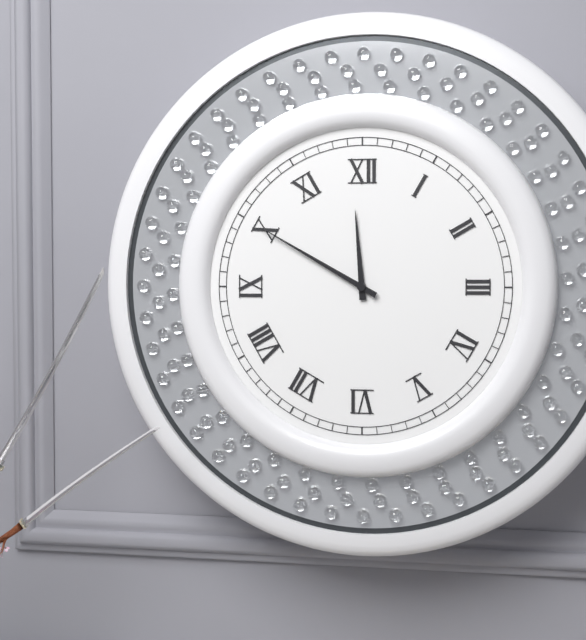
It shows 11:50
